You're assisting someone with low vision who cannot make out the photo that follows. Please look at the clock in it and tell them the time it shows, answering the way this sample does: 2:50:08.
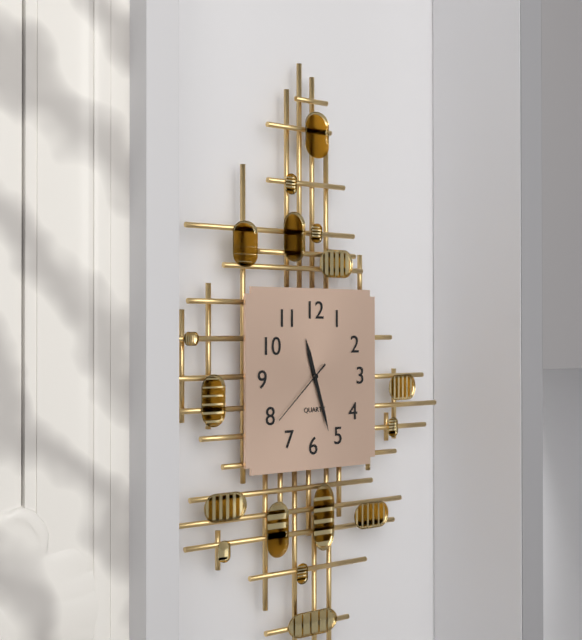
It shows 11:27:38
